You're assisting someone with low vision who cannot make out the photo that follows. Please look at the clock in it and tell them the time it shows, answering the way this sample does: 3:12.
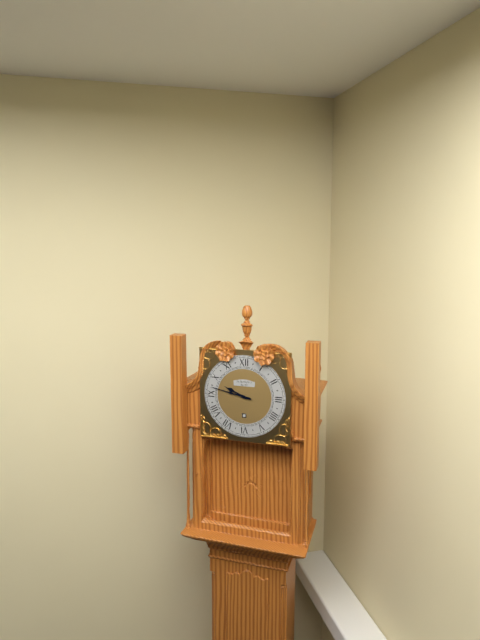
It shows 9:47
